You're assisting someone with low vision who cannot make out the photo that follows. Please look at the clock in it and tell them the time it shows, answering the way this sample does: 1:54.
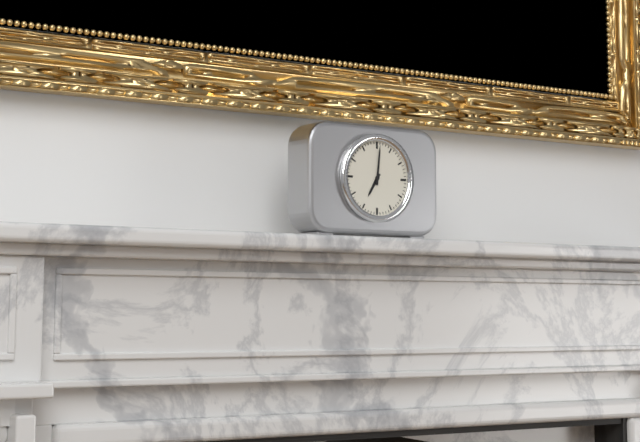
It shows 7:01
